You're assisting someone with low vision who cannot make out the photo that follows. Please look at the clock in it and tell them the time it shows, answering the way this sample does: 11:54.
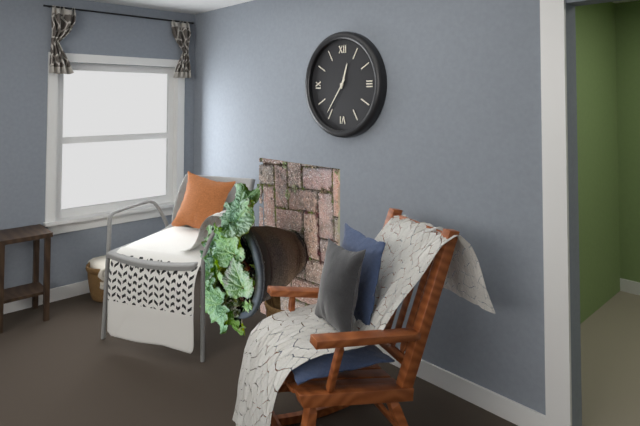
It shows 12:36
